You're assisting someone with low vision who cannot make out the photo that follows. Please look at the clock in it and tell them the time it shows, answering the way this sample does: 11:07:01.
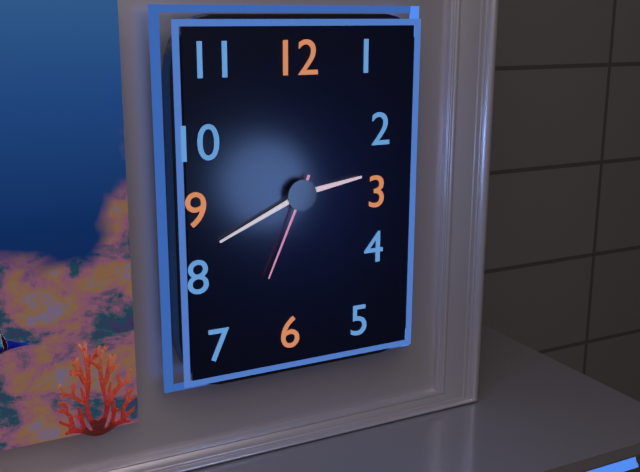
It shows 2:41:34
